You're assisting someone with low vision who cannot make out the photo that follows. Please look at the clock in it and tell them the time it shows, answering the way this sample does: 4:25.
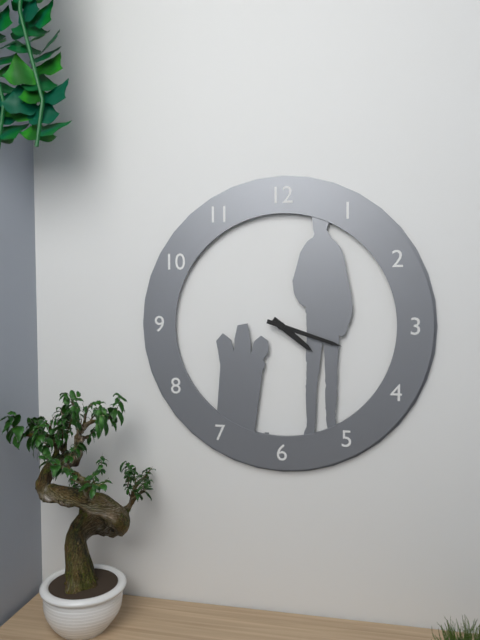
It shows 4:18
